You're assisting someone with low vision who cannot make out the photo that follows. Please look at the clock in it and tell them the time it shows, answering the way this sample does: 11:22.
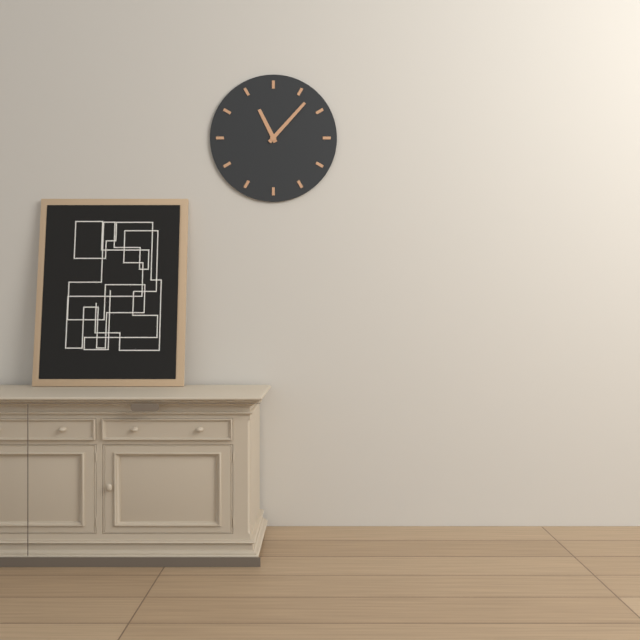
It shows 11:07
